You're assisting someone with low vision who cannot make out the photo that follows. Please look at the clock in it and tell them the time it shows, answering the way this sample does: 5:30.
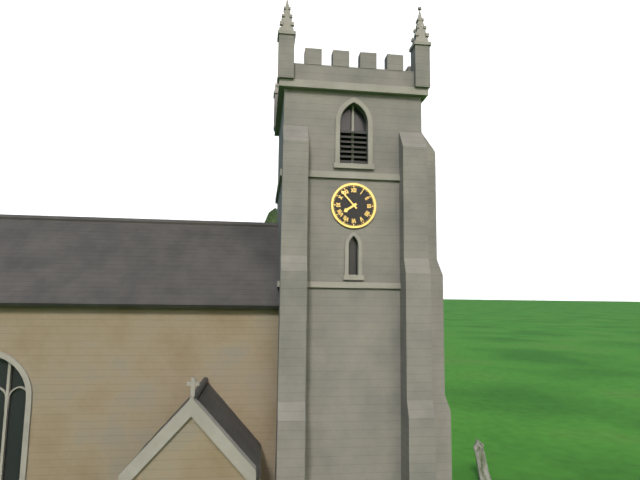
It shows 7:53
